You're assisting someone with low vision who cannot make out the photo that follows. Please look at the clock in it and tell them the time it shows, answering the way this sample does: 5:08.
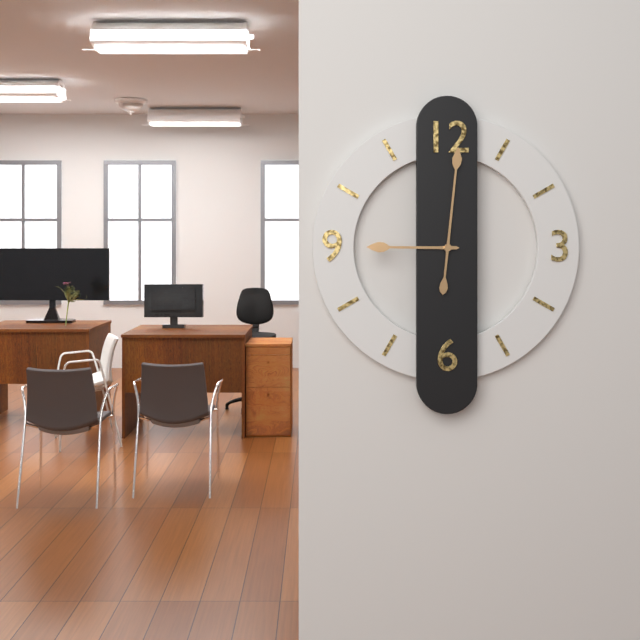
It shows 9:01
